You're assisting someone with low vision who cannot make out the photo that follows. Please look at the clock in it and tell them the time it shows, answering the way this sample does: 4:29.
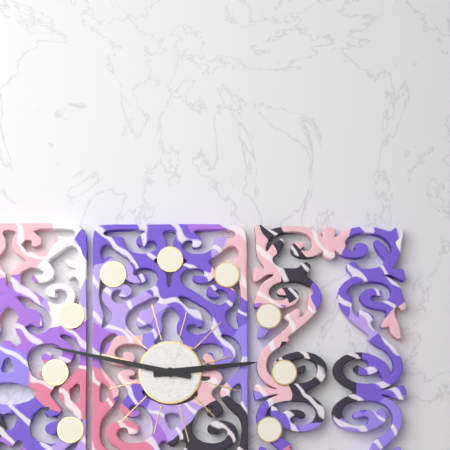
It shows 2:47
